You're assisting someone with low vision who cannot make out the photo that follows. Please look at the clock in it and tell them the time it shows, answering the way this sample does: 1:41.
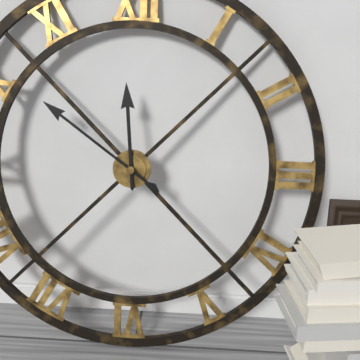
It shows 11:51
